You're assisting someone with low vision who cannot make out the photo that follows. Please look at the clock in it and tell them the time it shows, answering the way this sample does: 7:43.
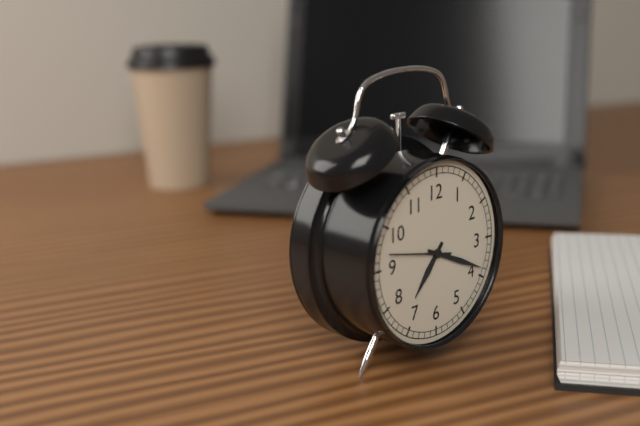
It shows 7:19
